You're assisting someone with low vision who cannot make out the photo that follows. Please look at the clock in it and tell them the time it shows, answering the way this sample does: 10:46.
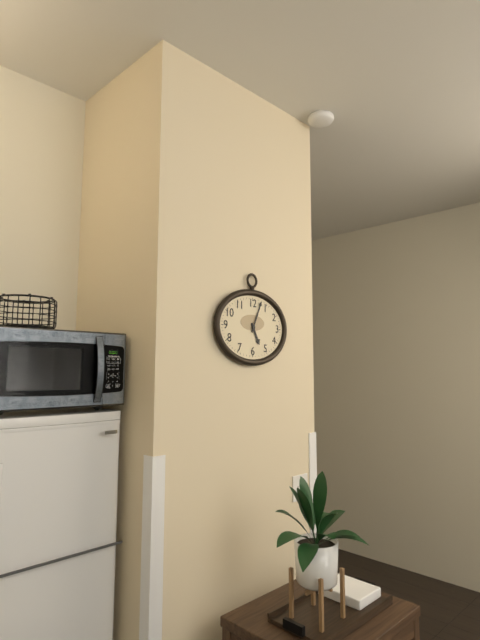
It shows 5:04
